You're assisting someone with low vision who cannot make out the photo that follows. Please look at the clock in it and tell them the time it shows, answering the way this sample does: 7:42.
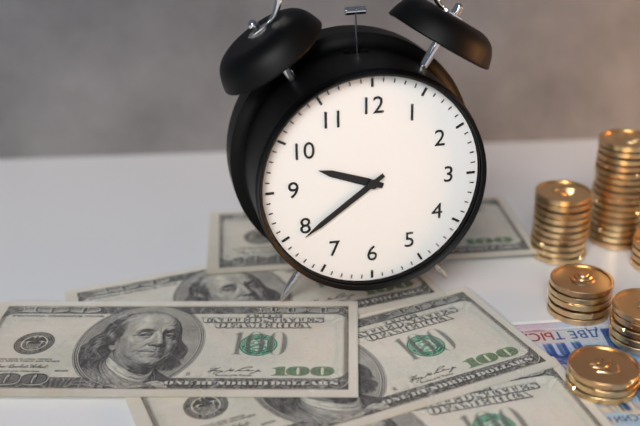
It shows 9:39
